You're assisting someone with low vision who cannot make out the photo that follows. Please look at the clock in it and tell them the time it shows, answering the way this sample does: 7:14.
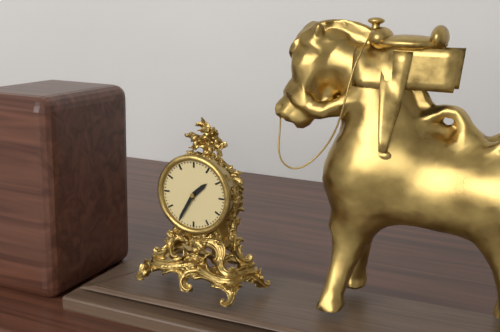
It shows 1:35
